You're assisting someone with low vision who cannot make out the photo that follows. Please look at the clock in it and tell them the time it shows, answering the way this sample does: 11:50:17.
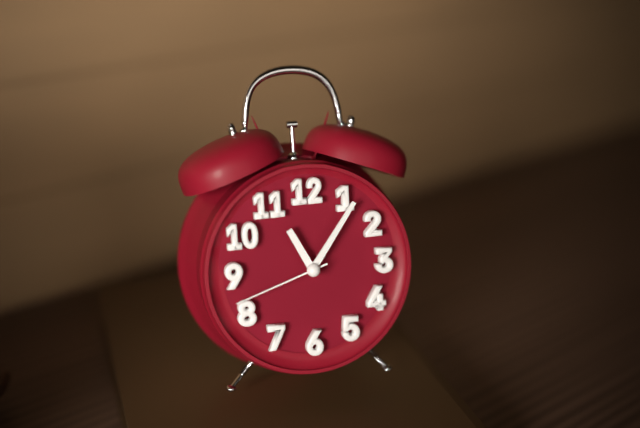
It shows 11:06:42
